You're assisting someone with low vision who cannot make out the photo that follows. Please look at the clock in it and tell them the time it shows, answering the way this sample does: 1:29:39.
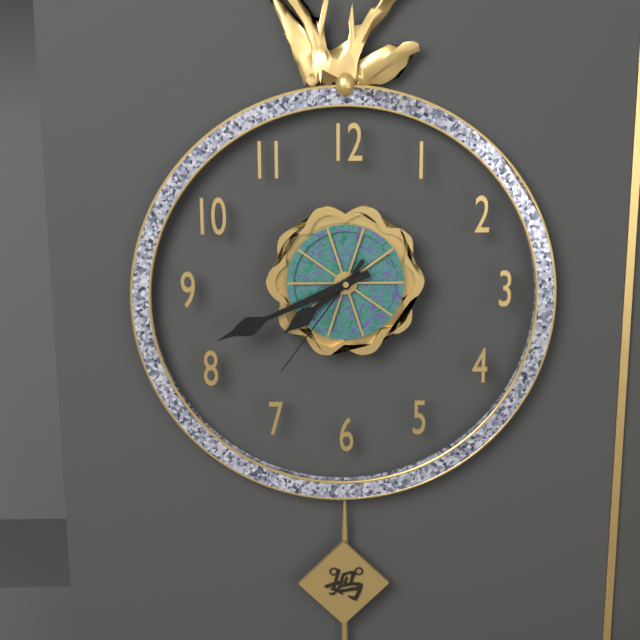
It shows 7:41:36
